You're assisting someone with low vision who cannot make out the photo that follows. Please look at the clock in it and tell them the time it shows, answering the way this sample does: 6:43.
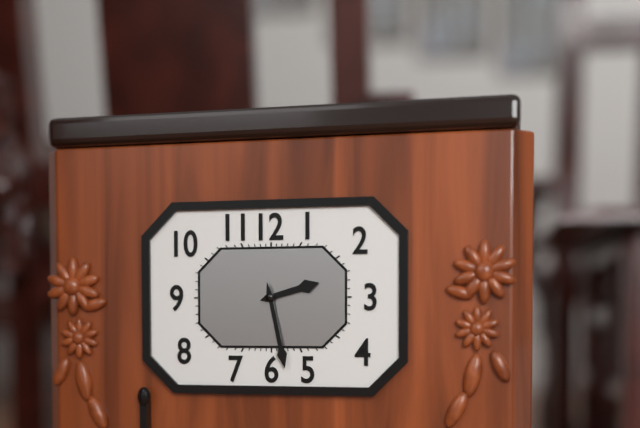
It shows 2:28
